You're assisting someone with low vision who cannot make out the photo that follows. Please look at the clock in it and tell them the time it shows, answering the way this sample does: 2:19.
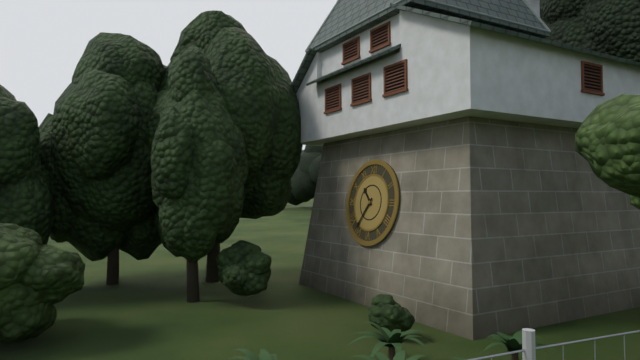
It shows 10:36
